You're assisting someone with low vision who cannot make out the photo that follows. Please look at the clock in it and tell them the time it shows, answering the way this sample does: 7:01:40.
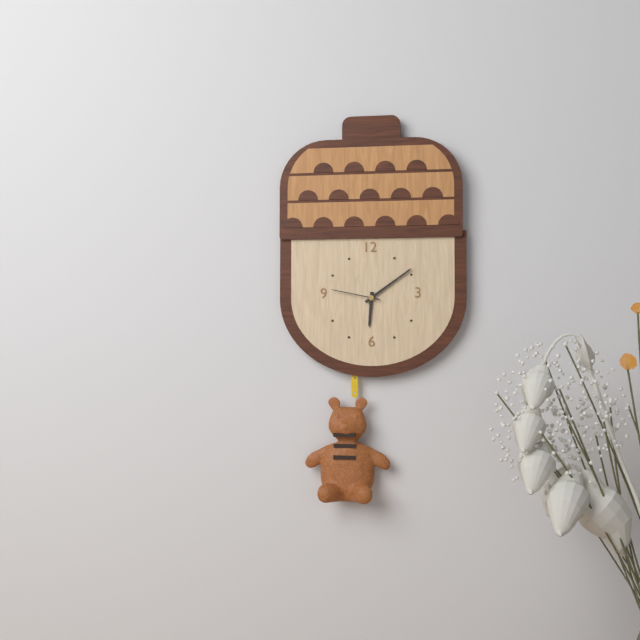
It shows 6:09:47
